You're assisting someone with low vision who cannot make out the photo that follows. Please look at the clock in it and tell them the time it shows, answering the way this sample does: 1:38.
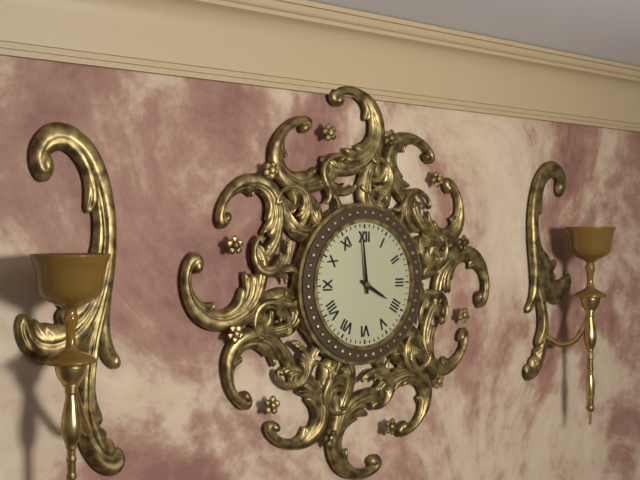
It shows 3:59
